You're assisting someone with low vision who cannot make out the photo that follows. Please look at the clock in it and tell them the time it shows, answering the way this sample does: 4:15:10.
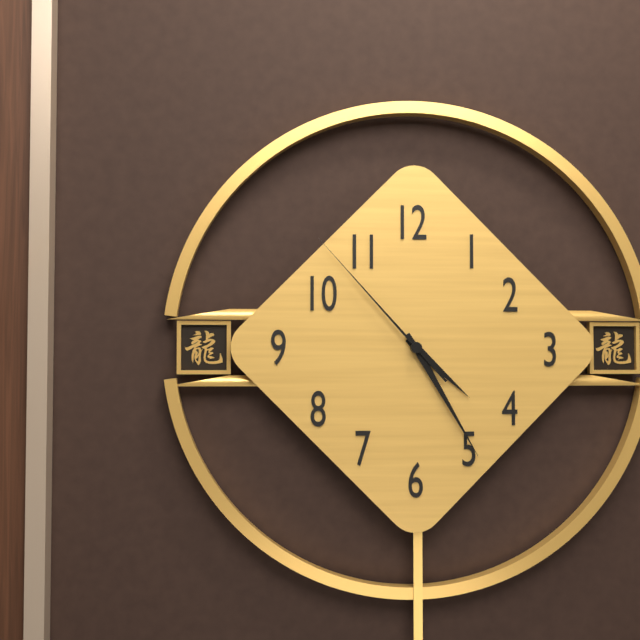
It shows 4:25:53
